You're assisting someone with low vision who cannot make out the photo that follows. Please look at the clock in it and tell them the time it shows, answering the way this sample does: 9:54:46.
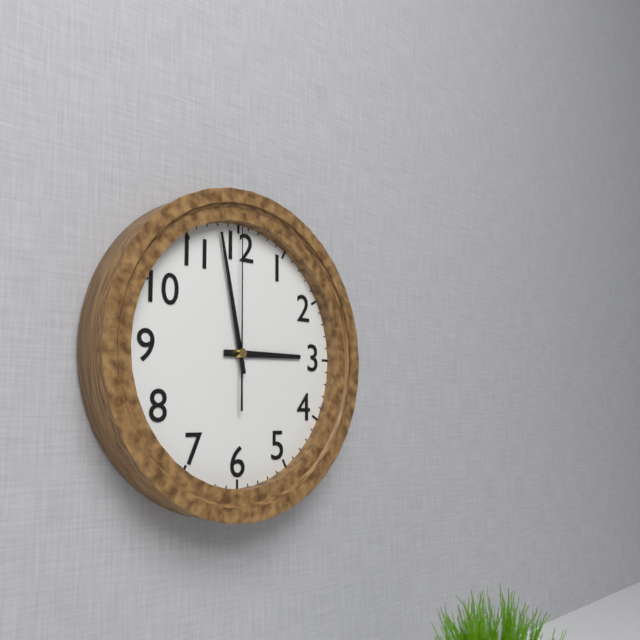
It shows 2:58:00
